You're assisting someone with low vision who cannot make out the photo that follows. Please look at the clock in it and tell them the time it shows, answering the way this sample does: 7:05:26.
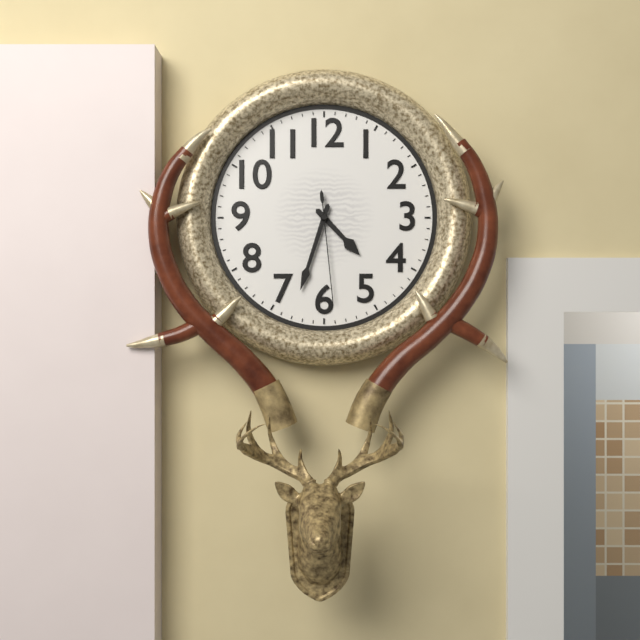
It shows 4:33:29
